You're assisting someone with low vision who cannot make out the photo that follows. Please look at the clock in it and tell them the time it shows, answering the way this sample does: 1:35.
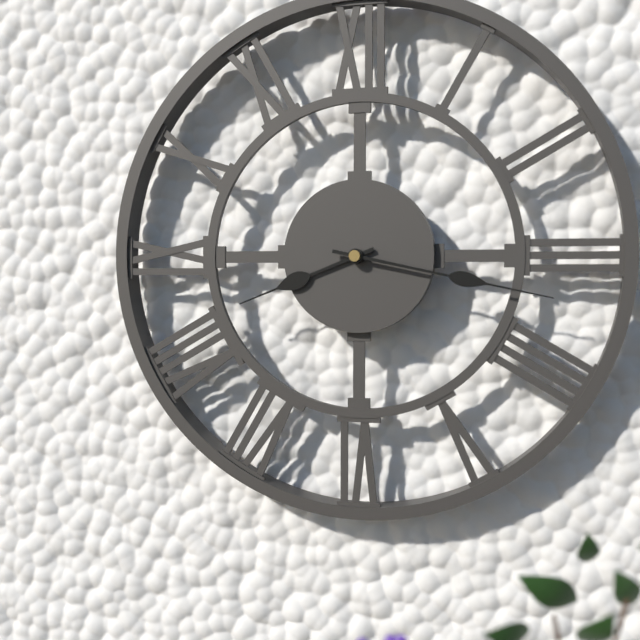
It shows 8:17
